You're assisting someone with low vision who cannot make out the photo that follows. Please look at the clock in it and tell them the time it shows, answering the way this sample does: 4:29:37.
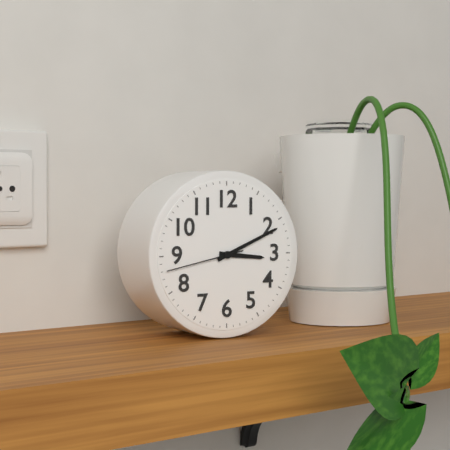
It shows 3:11:43
